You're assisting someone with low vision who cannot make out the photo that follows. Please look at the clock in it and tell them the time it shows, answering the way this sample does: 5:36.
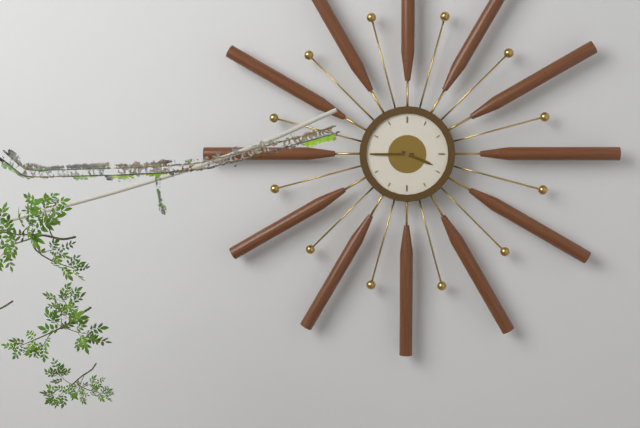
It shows 3:45
